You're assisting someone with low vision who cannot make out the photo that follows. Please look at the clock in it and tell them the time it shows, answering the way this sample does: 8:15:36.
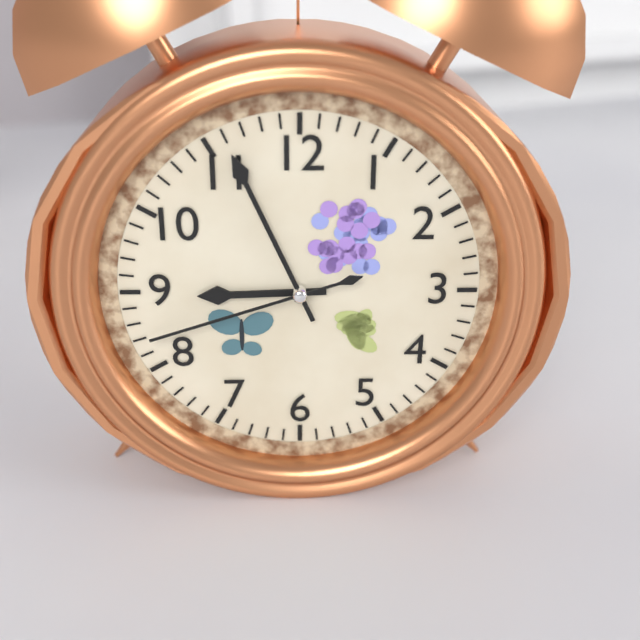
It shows 8:56:42
